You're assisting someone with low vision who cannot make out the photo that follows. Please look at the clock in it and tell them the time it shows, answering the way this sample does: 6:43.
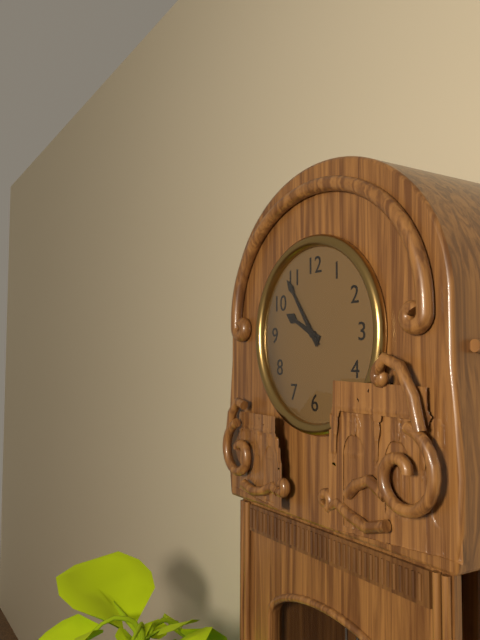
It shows 9:54
